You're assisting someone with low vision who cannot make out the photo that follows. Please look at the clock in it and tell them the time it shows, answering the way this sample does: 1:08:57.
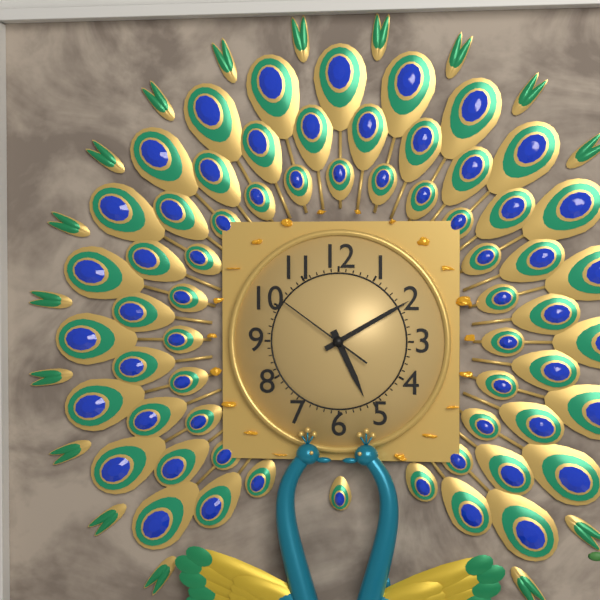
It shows 5:10:51
